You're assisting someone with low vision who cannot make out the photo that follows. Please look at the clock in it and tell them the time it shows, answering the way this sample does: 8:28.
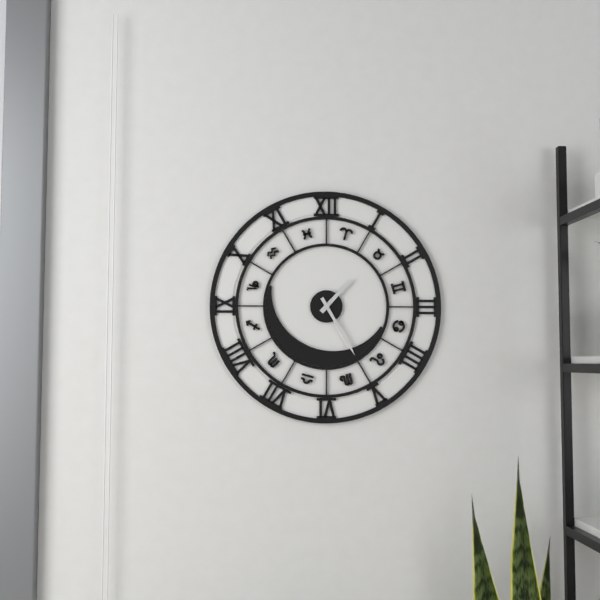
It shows 1:25
